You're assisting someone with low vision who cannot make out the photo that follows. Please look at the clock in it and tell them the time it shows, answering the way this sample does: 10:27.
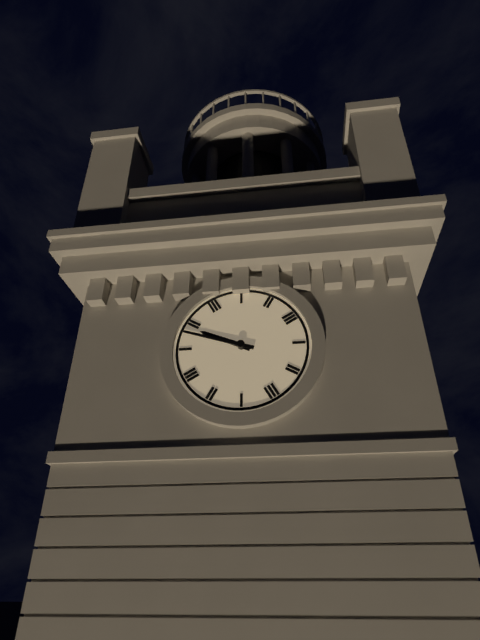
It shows 9:48
